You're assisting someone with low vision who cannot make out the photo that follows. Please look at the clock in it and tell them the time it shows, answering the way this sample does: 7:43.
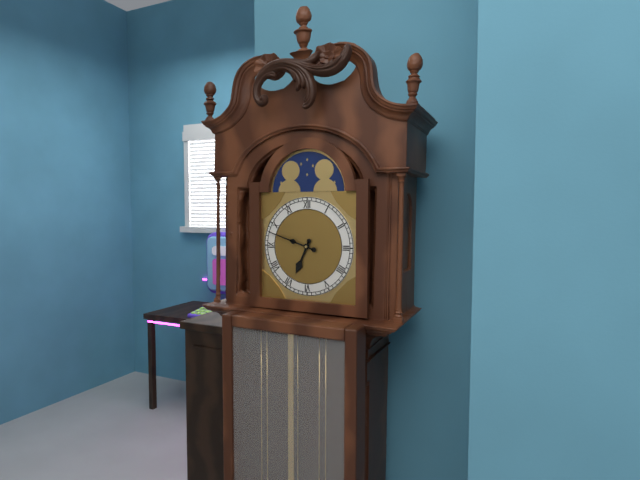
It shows 6:48
